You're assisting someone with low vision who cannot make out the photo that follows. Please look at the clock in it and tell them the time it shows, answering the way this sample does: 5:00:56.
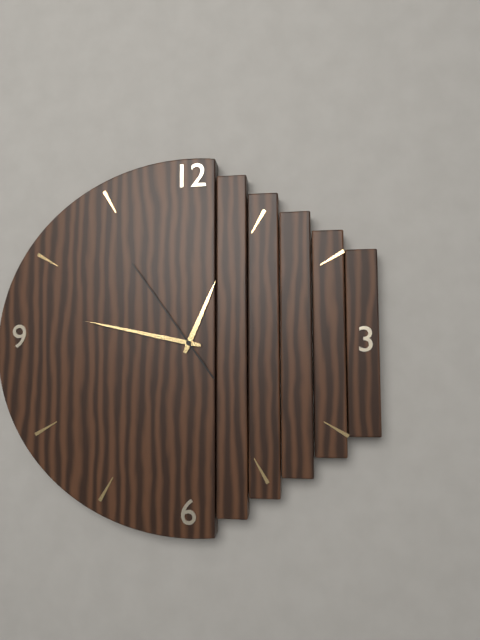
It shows 12:47:54
